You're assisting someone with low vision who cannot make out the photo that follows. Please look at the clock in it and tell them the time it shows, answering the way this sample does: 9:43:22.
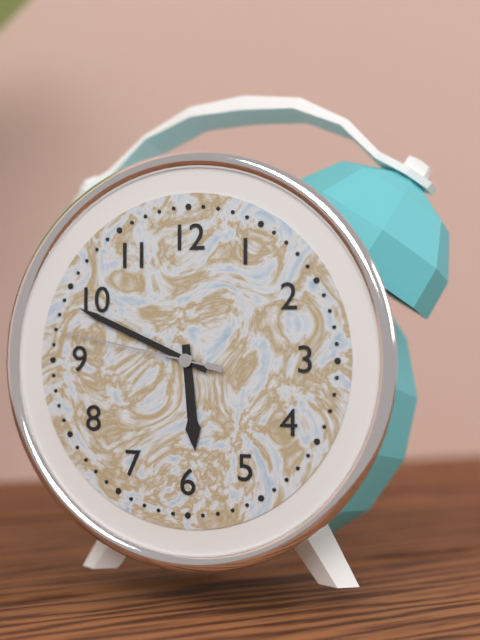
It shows 5:49:47
